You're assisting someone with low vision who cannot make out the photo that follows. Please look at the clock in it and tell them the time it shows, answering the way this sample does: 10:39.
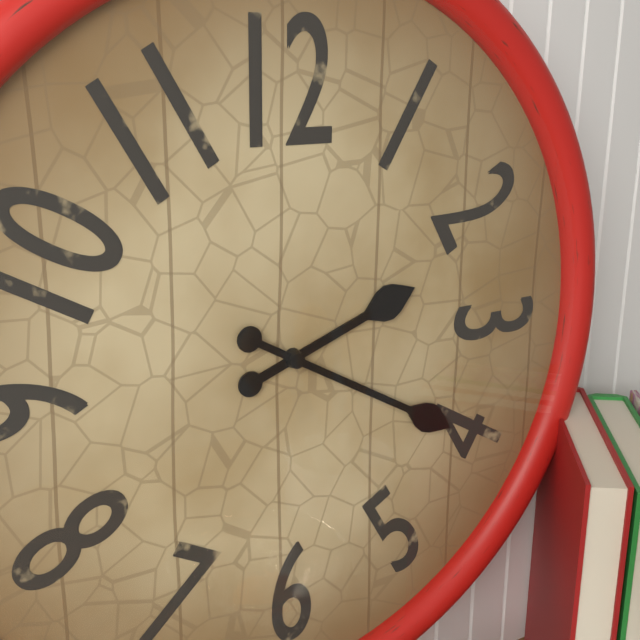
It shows 2:20
